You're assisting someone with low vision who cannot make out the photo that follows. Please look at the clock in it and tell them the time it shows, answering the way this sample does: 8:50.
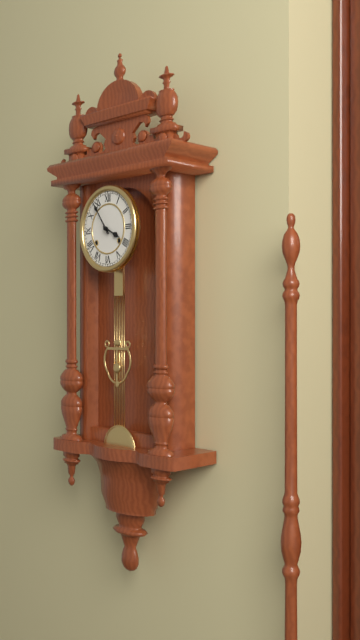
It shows 3:54
